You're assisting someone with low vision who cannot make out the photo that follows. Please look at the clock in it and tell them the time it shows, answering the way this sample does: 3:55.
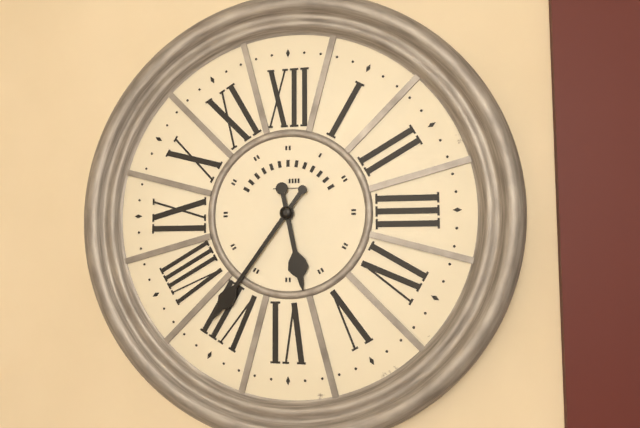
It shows 5:36
